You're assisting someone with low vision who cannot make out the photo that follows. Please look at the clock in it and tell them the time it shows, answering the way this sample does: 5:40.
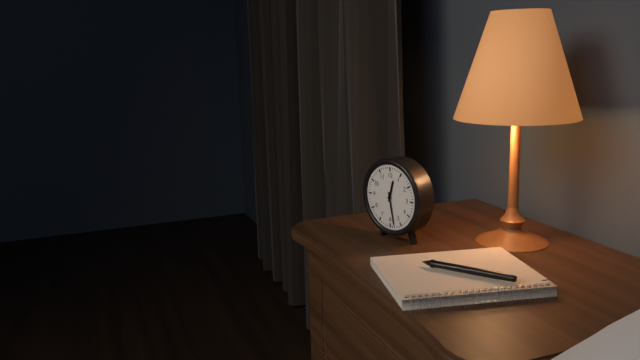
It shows 12:28
